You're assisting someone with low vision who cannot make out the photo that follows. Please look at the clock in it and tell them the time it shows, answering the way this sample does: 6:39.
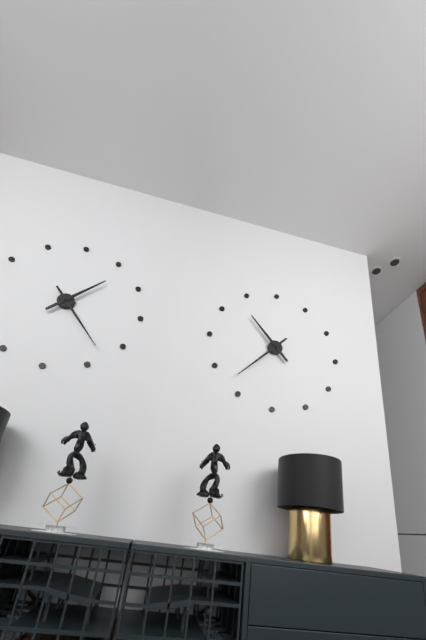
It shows 10:37
